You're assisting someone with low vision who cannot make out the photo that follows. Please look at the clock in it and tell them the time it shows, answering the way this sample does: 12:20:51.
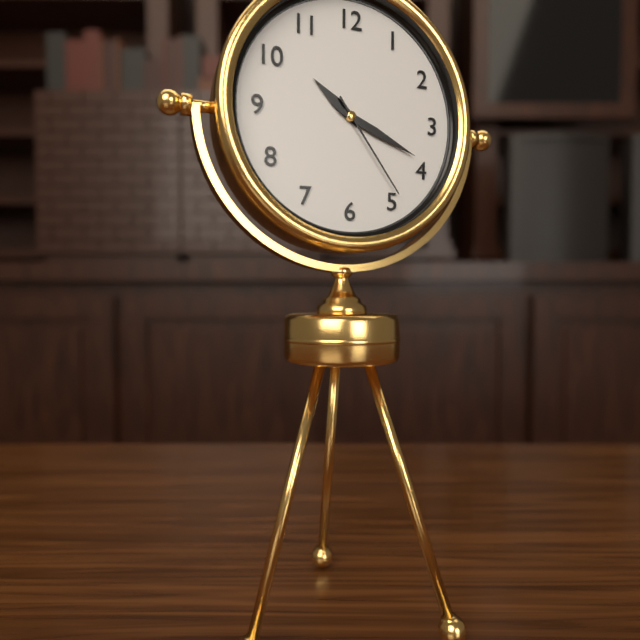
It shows 10:19:24
